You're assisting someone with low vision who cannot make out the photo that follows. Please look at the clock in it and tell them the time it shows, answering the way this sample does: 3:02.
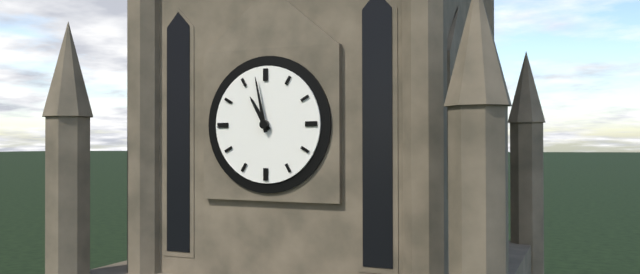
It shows 10:58
